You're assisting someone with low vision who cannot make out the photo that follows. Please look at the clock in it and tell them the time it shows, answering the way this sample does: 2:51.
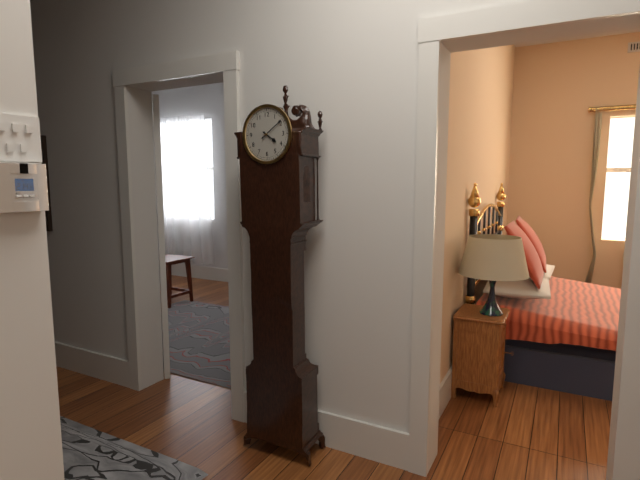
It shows 4:09
